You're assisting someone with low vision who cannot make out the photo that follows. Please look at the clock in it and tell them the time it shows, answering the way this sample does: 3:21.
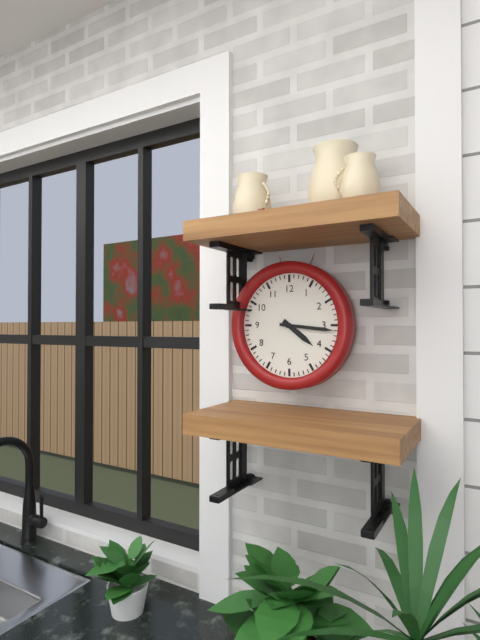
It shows 4:16
